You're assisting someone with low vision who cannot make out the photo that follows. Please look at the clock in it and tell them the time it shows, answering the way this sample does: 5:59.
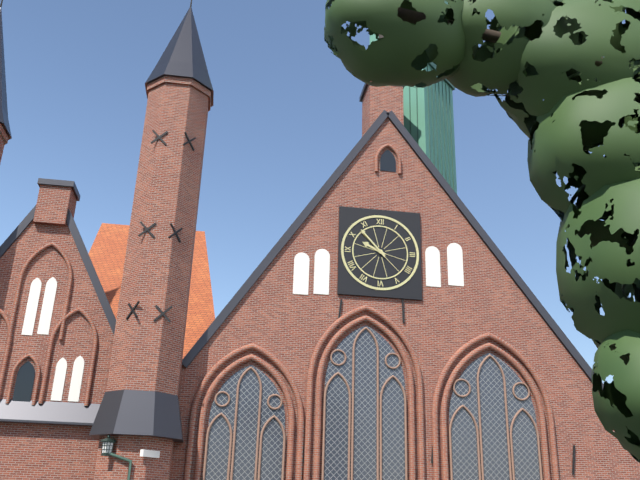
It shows 9:53
